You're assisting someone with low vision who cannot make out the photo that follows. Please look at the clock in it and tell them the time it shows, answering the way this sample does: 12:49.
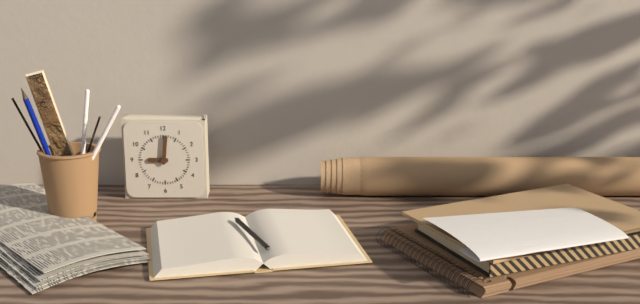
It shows 9:01
